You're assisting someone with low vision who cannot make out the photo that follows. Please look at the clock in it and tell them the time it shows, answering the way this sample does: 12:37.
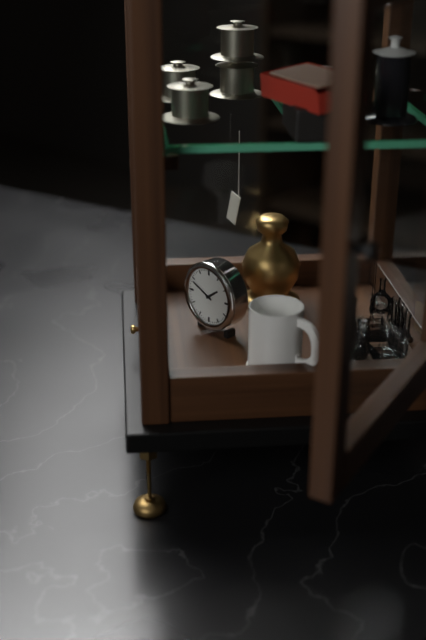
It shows 1:49
